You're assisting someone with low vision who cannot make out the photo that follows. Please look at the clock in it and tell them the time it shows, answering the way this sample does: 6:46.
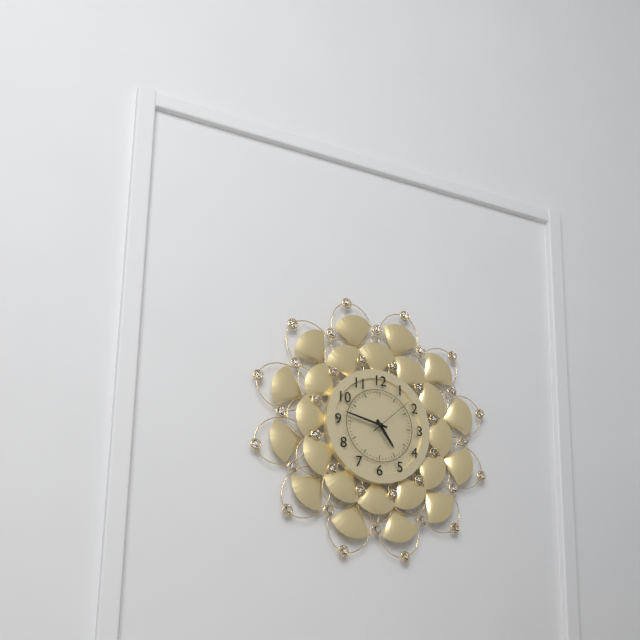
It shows 4:47
